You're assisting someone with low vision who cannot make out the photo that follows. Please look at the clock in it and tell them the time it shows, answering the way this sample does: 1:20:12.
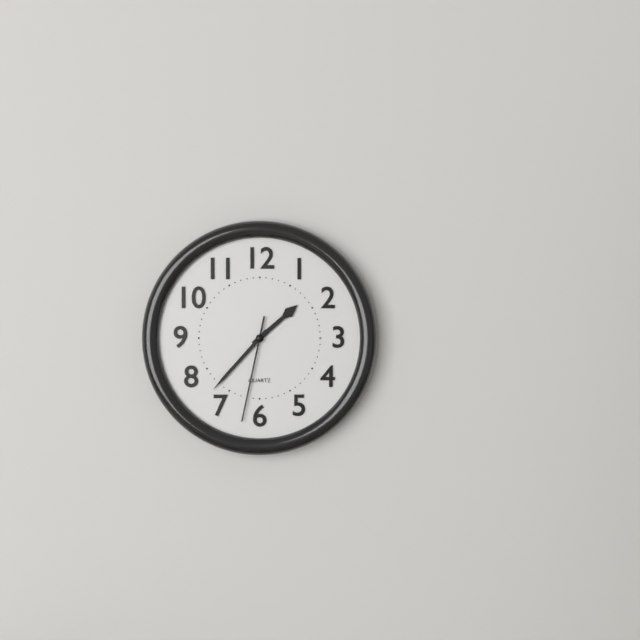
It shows 1:37:32
